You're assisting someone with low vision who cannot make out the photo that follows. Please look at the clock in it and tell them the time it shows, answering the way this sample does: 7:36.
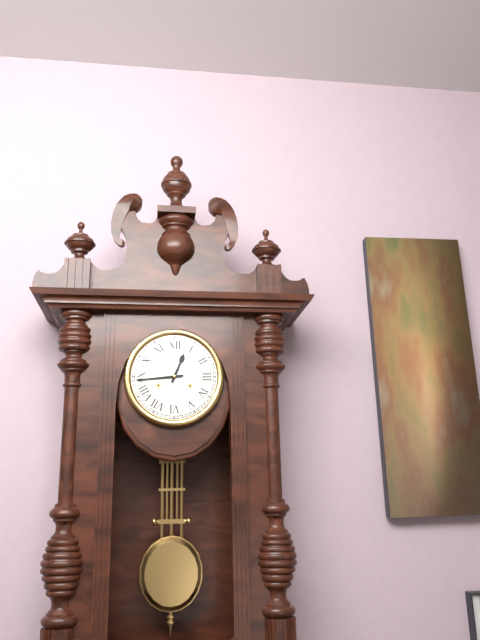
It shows 12:44
